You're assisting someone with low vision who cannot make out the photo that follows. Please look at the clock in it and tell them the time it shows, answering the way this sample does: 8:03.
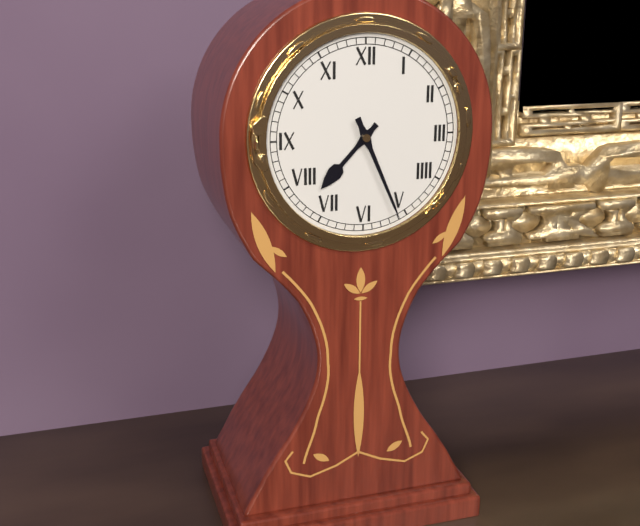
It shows 7:26
